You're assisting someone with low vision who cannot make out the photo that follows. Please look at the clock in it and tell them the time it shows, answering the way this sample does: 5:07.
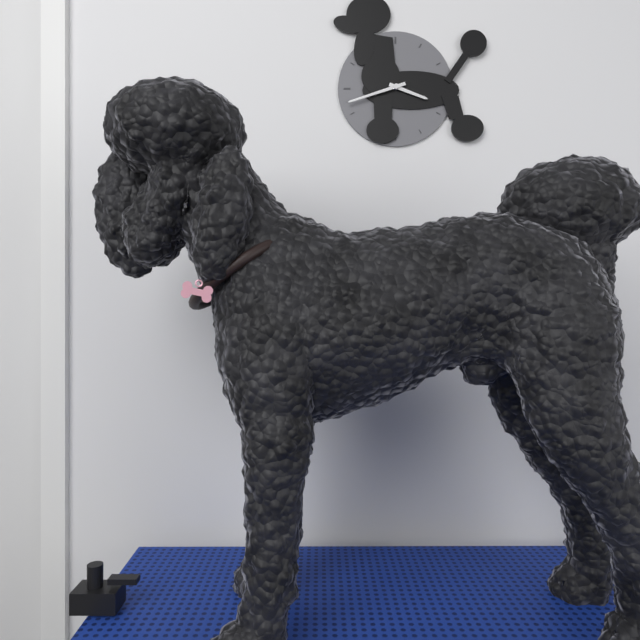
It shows 3:42
